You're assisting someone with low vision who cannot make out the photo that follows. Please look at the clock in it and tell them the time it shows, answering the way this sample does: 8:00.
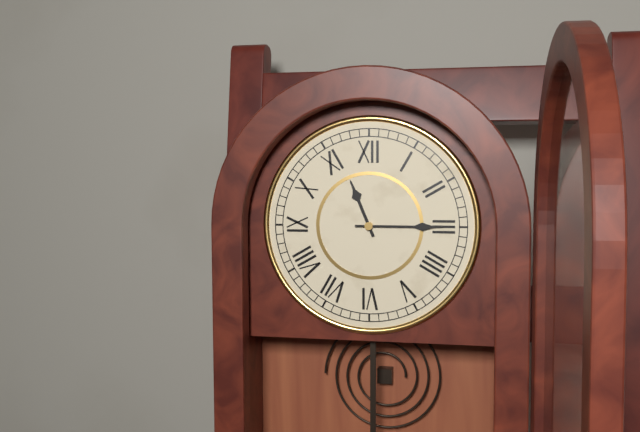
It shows 11:15
